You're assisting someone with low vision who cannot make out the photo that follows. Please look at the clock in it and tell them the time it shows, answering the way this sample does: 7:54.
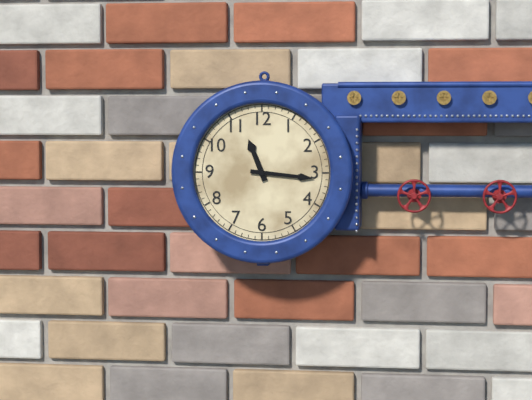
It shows 11:16
